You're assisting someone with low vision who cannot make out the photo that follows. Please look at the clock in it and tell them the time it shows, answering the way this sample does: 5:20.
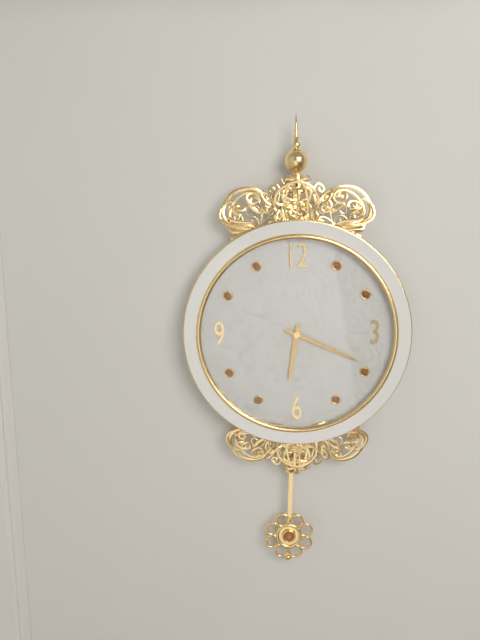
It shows 6:19
